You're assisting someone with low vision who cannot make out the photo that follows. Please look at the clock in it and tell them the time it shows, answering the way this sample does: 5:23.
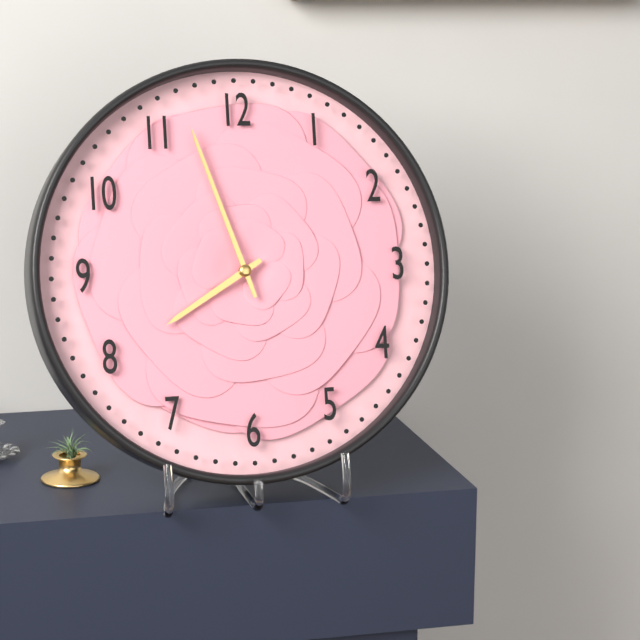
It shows 7:57
